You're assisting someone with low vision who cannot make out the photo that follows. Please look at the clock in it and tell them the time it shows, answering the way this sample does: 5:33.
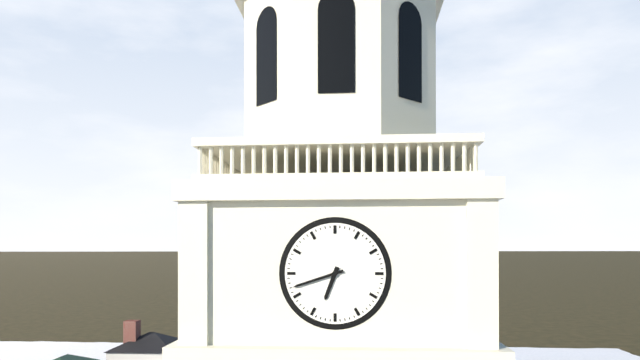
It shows 6:42
